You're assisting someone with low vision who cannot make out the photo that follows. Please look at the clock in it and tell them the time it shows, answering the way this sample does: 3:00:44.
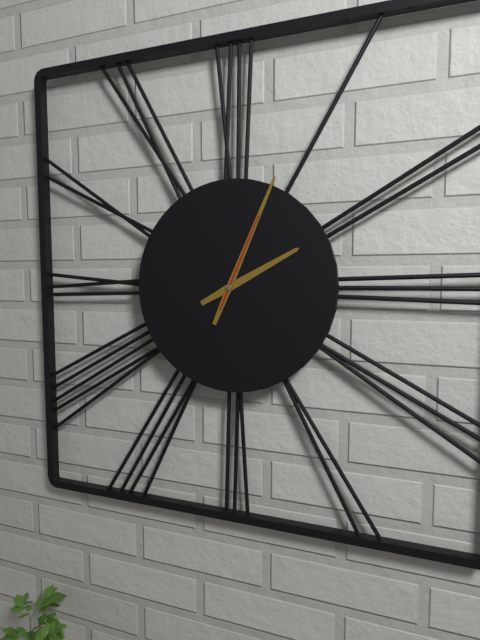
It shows 2:04:04
